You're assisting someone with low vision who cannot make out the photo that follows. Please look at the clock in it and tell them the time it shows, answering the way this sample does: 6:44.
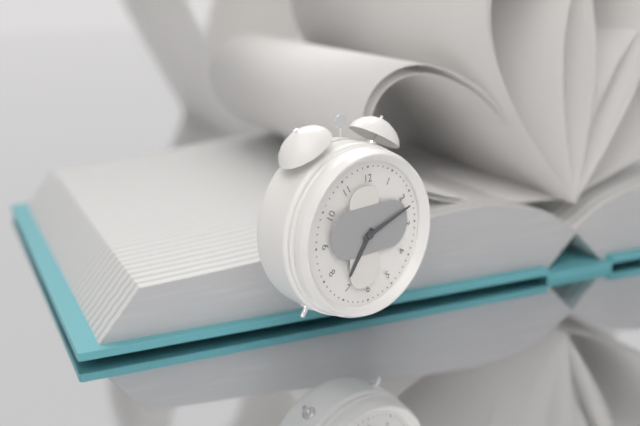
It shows 7:12
